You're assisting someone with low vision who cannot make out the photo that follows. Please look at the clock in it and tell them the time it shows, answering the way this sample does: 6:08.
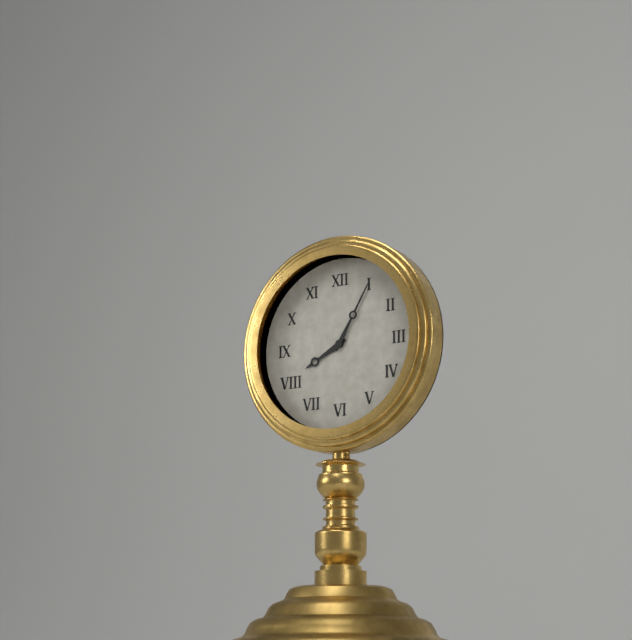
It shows 8:05
